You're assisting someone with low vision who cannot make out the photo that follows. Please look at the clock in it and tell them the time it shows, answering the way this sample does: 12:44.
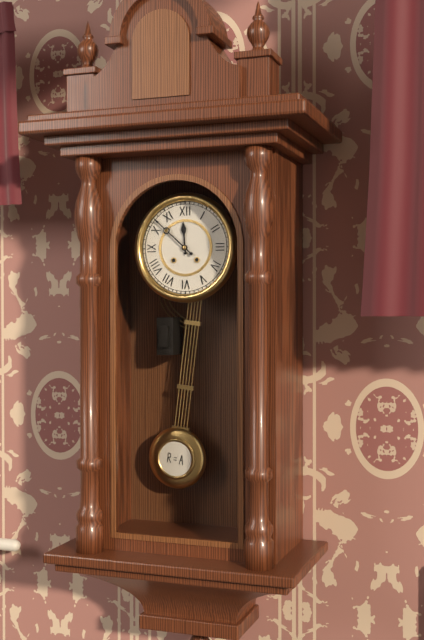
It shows 11:52
